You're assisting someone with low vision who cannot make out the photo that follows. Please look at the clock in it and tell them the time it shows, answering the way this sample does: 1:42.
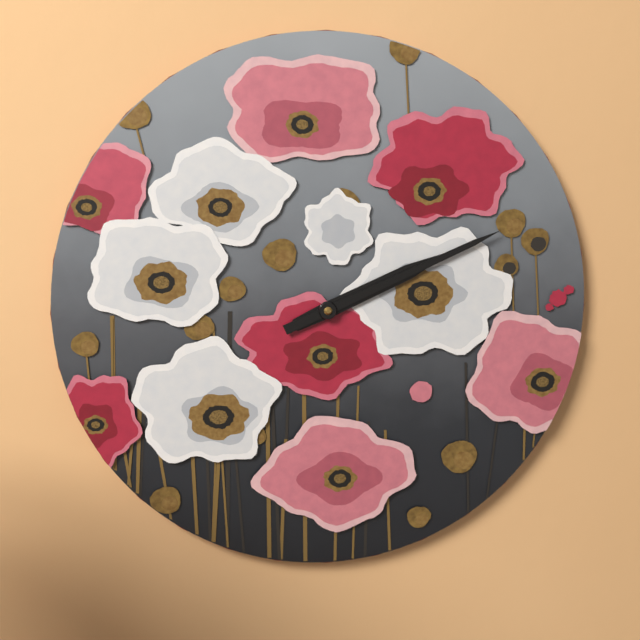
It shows 2:11
